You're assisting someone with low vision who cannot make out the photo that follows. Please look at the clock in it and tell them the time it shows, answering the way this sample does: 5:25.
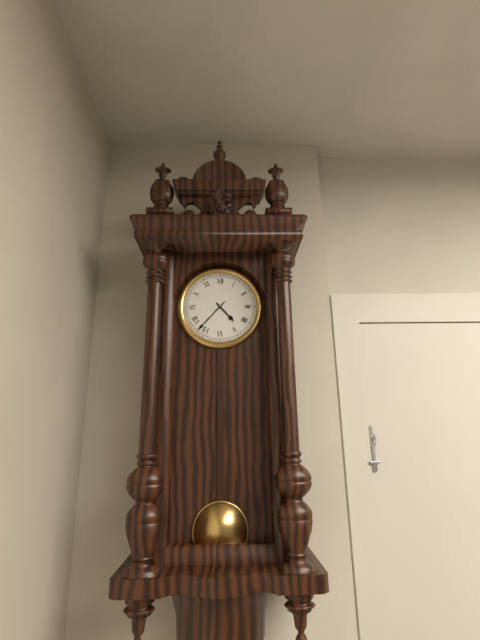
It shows 4:37
